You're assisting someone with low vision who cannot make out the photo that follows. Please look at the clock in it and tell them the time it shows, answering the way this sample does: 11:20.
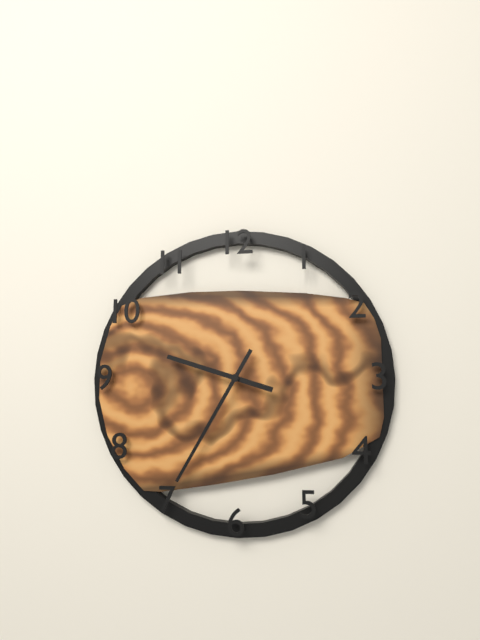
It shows 9:35
